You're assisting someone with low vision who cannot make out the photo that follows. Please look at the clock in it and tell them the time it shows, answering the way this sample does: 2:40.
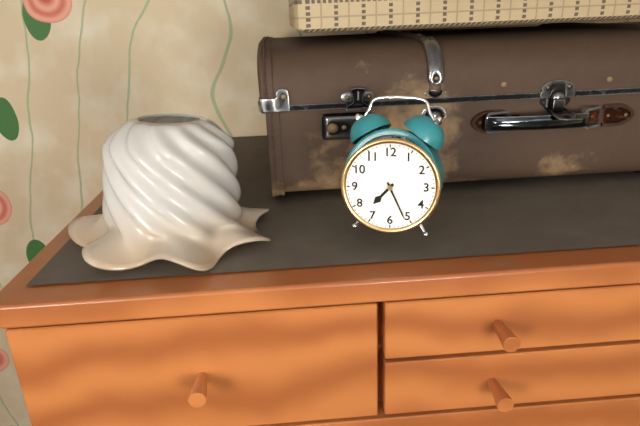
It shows 7:26
